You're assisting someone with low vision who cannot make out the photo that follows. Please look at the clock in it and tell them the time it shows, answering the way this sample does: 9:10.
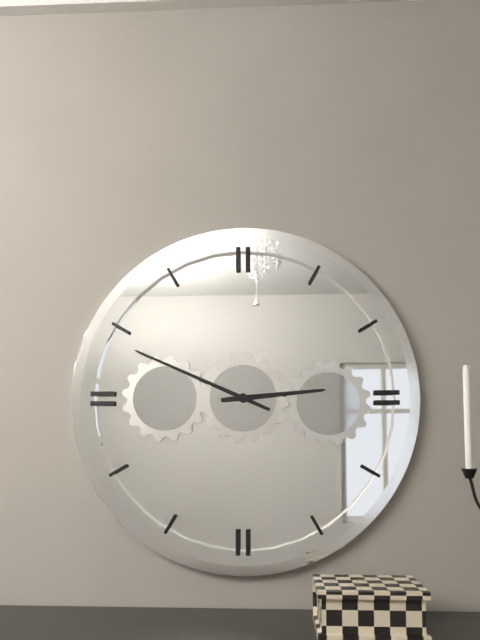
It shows 2:49
